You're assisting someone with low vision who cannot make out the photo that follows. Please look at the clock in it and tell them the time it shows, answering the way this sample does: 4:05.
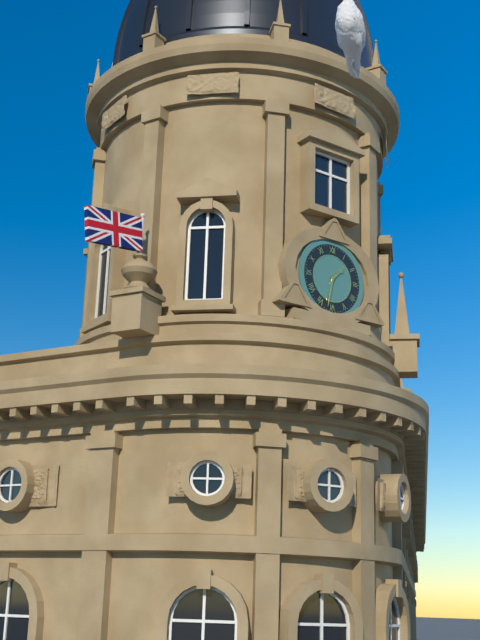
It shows 1:32
